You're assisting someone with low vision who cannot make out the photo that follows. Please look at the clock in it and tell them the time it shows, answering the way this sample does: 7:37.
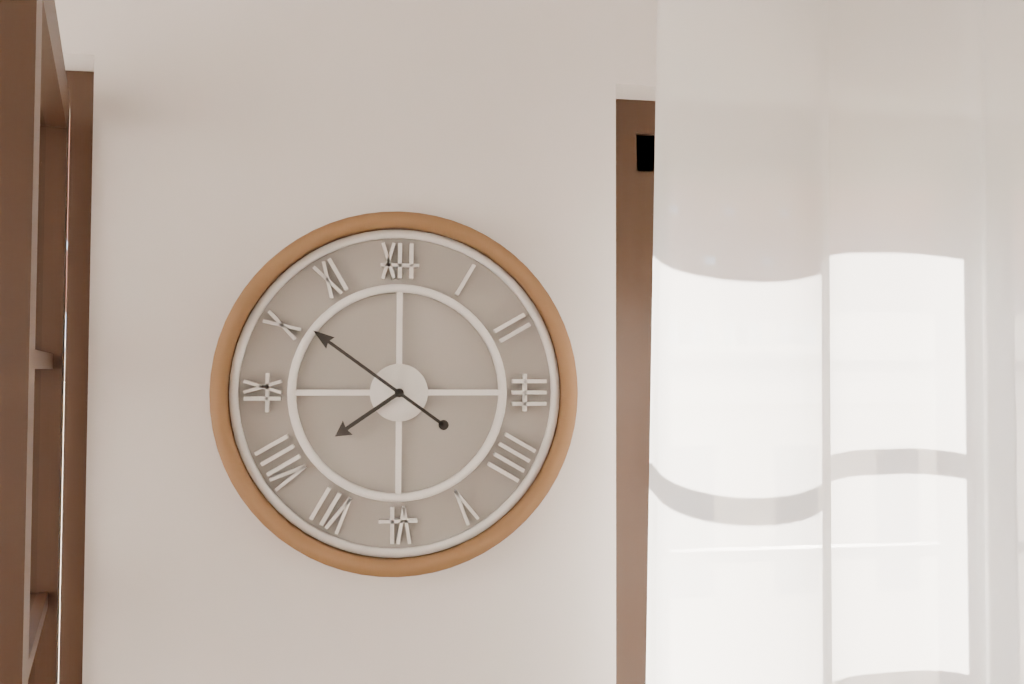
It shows 7:51
